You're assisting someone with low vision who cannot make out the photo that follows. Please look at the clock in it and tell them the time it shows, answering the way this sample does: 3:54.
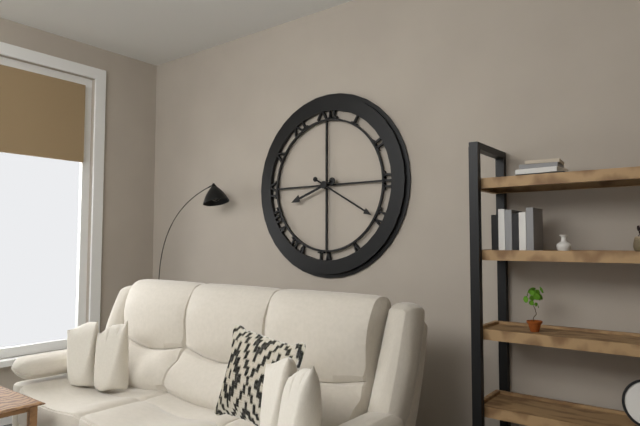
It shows 8:20
